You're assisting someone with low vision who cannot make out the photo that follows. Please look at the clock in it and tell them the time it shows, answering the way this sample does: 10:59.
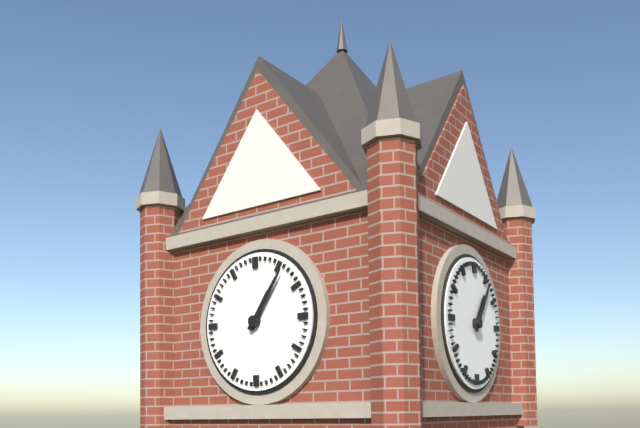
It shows 1:06
